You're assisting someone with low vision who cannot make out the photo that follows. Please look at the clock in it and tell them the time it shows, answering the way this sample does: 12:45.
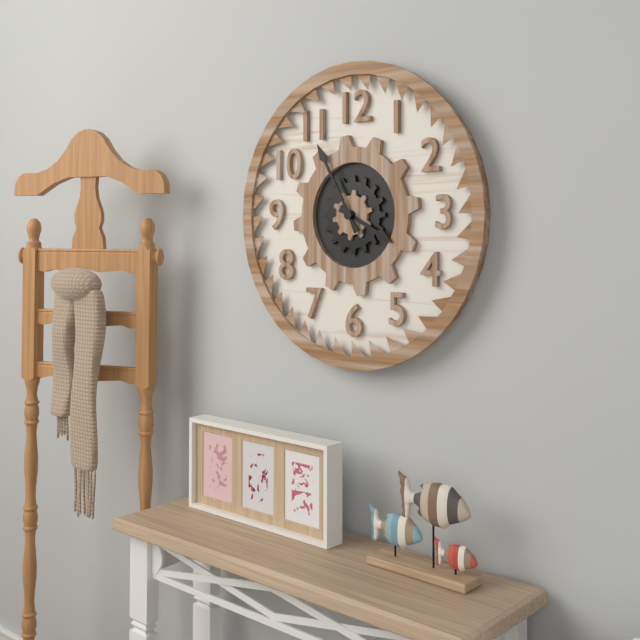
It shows 3:55
